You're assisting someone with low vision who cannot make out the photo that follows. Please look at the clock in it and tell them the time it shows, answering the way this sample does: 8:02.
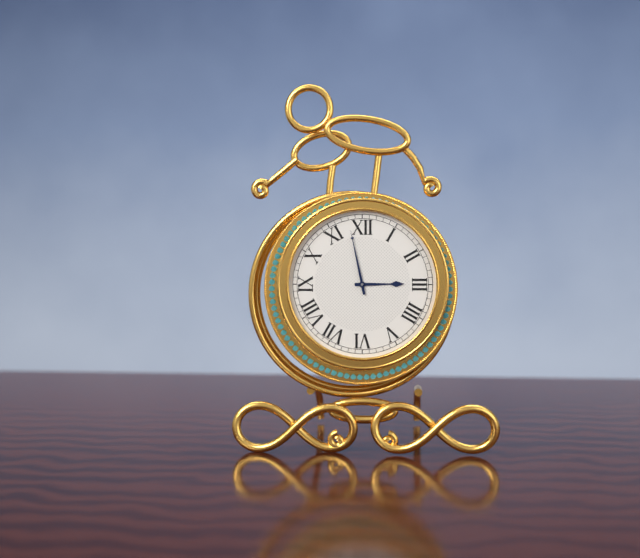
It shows 2:58
